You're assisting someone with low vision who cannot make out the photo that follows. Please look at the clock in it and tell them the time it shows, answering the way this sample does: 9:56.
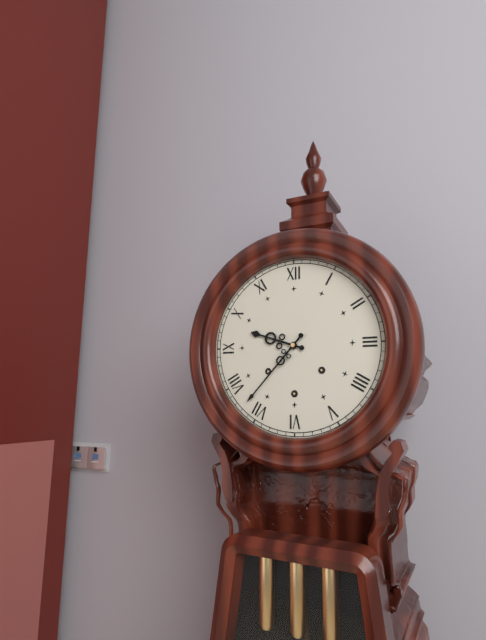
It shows 9:37
